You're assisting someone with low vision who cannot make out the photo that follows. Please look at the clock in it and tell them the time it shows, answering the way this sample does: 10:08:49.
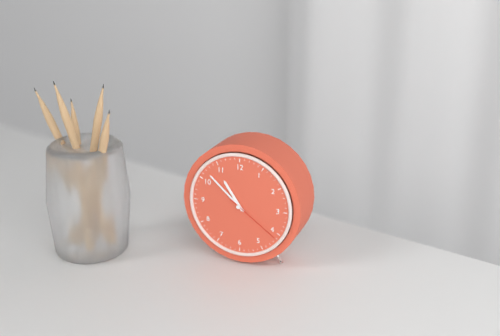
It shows 10:52:21
